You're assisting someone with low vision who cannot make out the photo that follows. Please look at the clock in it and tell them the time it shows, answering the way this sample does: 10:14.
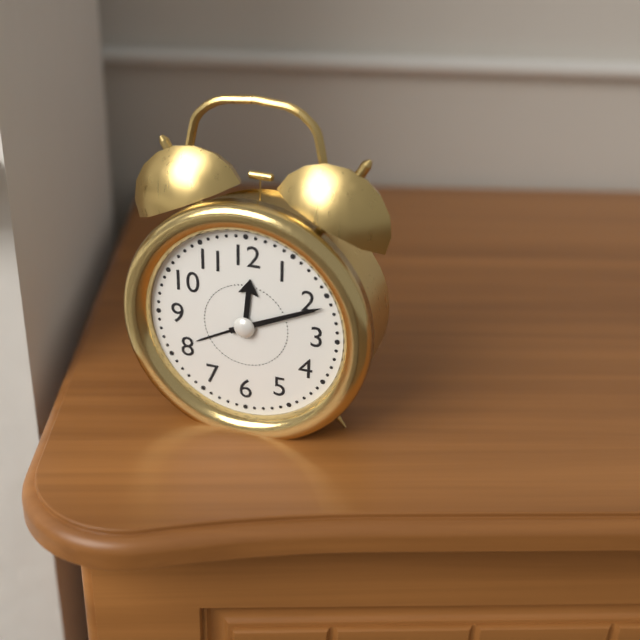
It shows 12:11
